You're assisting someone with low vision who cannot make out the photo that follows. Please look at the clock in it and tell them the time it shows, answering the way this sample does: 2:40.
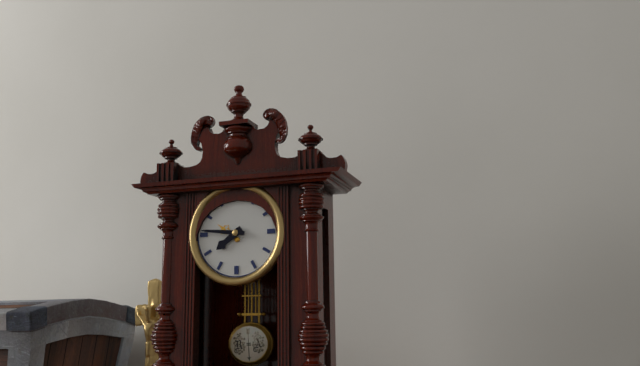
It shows 7:46
